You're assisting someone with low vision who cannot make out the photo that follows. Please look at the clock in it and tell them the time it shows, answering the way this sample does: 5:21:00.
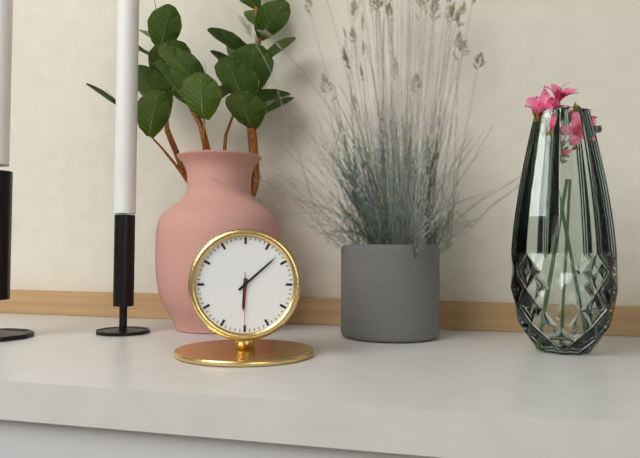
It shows 6:08:30
